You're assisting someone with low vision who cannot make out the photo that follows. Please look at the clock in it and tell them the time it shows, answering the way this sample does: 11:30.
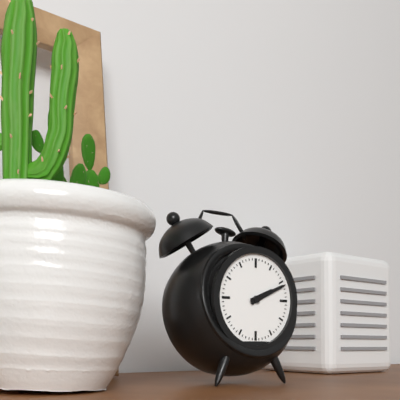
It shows 2:11
